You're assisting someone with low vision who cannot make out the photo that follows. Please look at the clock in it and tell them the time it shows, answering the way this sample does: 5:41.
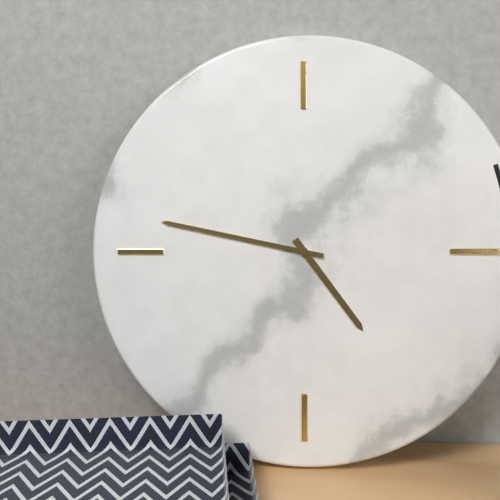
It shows 4:47
